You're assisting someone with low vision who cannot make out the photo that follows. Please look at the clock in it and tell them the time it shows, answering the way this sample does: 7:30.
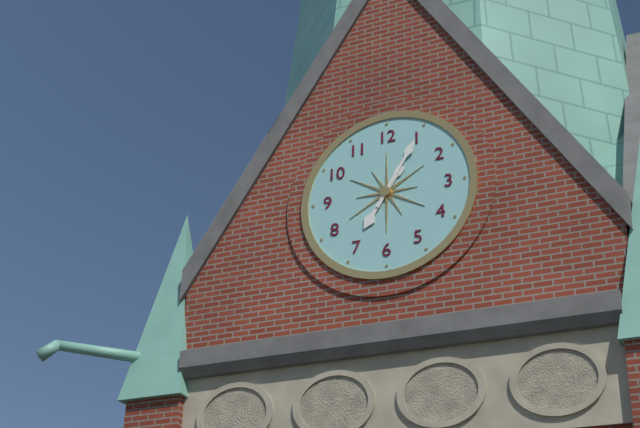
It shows 7:05
